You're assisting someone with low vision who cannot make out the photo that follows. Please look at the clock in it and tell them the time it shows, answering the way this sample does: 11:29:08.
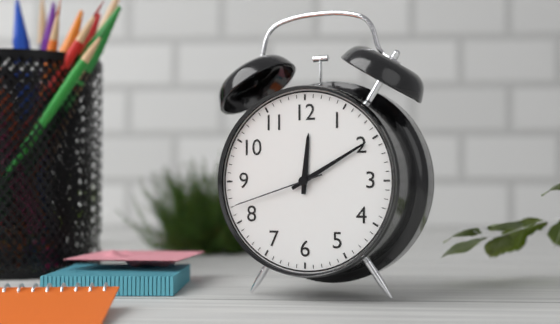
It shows 12:10:42
